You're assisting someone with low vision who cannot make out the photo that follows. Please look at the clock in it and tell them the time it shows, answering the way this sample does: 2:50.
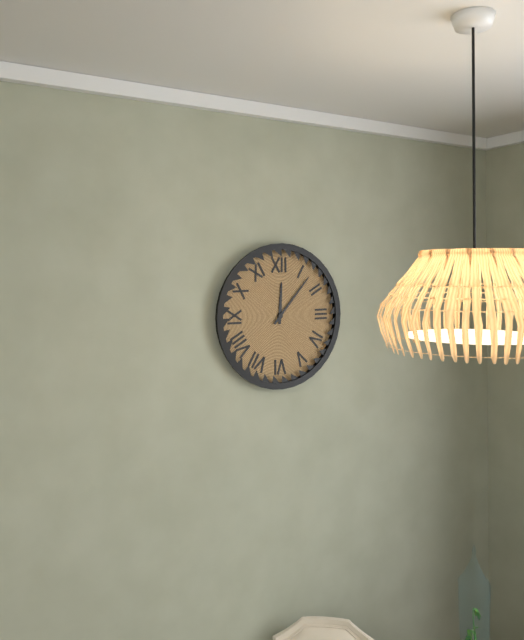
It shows 12:07
